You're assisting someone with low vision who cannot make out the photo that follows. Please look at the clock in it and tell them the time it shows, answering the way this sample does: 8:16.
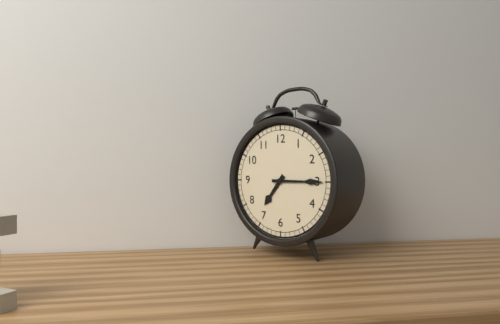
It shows 7:15
